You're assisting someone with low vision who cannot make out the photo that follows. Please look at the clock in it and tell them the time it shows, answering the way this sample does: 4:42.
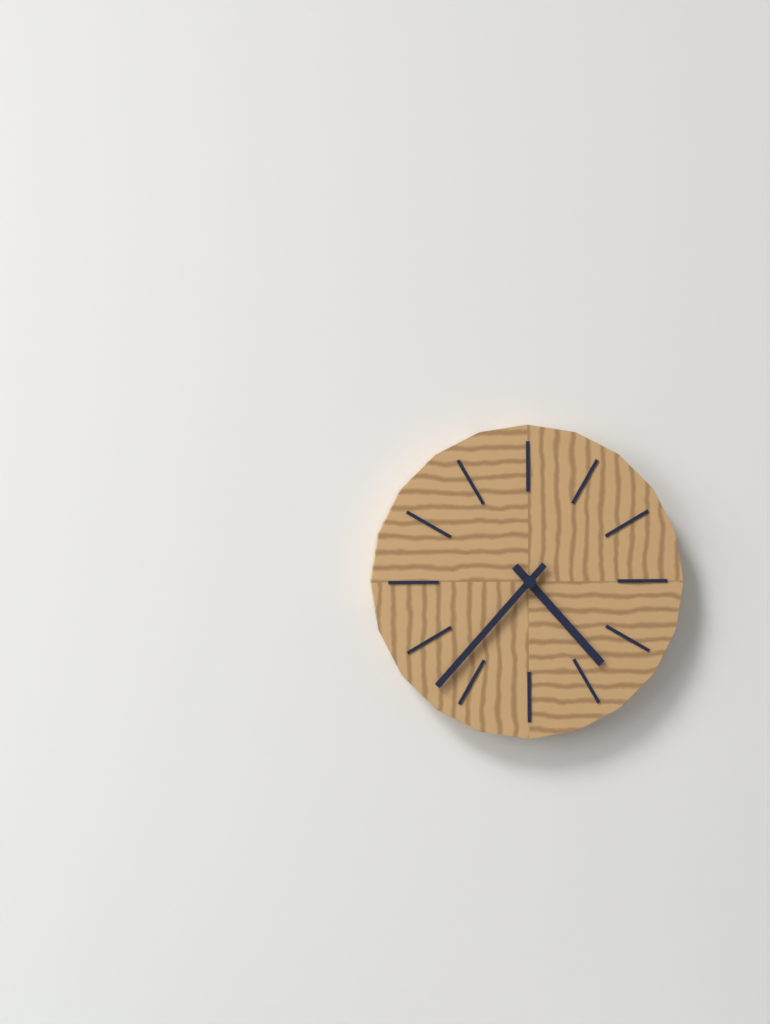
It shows 4:37
